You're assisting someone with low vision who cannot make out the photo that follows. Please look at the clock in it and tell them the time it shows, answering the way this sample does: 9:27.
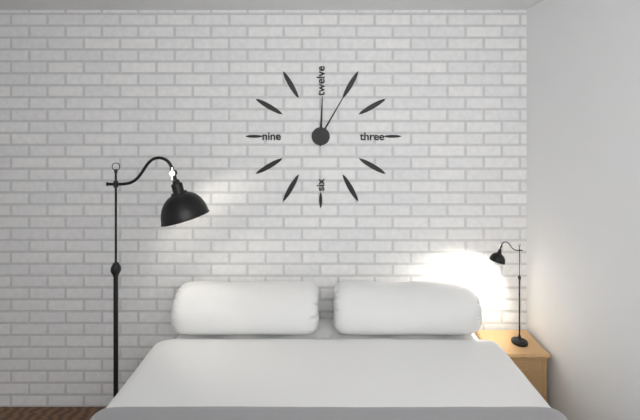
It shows 12:05
